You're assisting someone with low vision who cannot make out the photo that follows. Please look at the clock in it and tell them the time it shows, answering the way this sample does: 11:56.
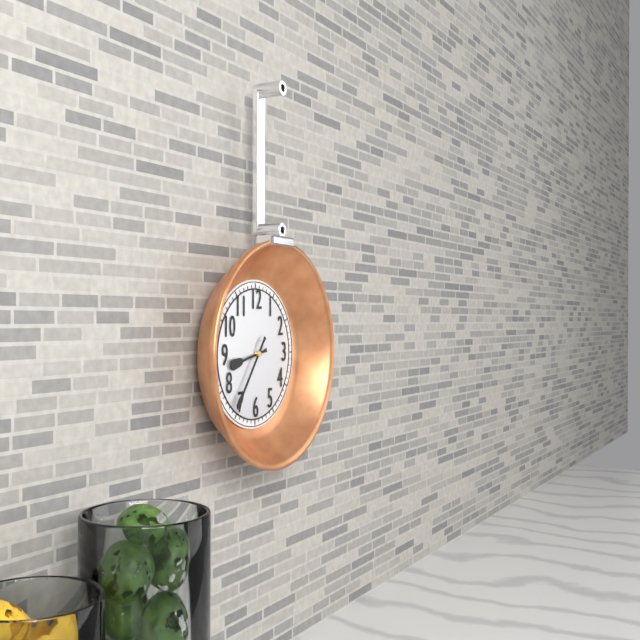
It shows 8:36
